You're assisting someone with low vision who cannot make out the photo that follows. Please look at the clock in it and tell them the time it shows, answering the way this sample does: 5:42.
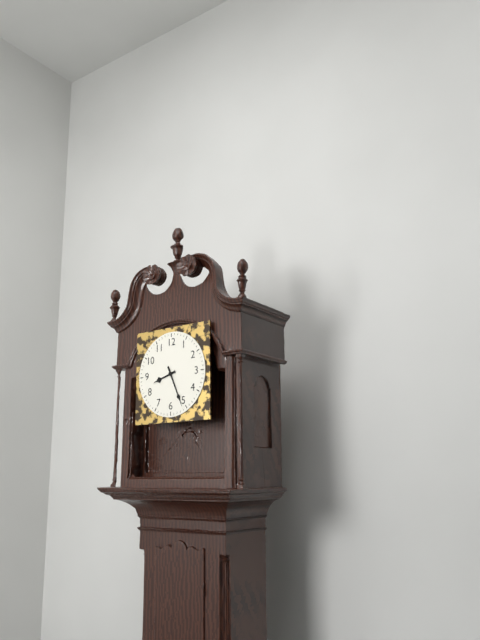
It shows 8:26
